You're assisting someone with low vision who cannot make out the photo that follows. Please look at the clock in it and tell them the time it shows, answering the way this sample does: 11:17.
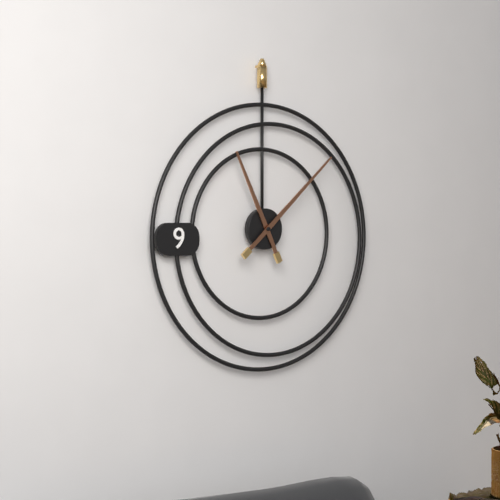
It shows 11:08
